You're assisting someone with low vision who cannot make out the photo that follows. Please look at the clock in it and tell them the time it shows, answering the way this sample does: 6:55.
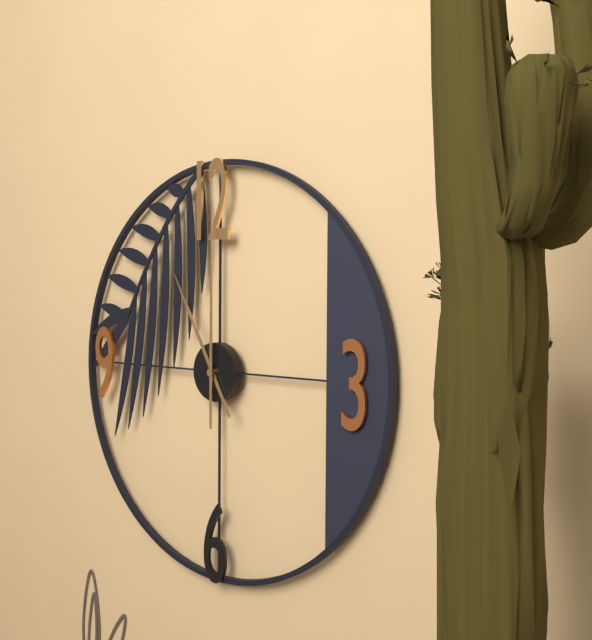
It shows 11:00
